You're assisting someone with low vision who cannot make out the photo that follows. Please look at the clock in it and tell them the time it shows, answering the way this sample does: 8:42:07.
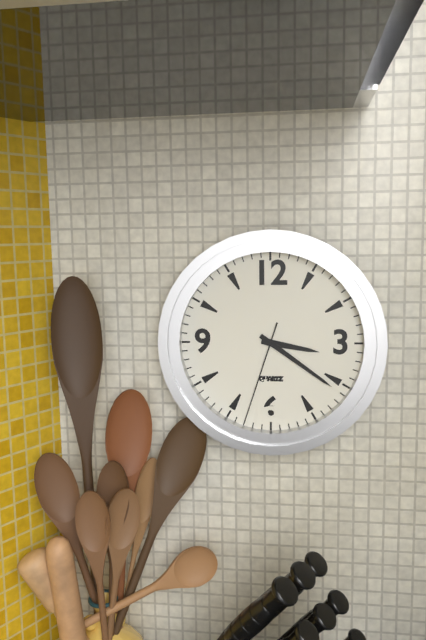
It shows 3:21:33
